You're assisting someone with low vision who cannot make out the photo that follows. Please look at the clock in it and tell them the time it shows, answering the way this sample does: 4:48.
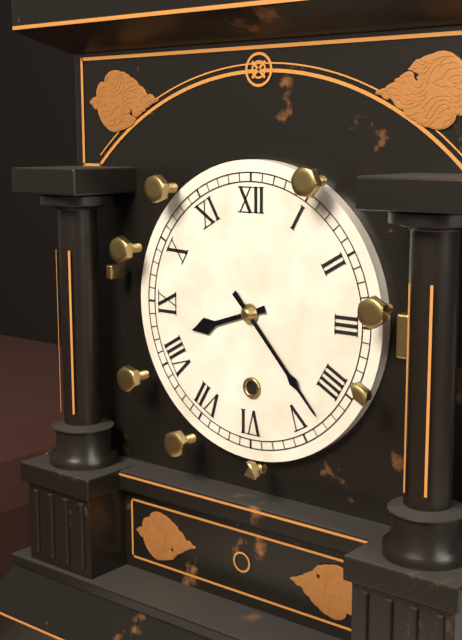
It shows 8:23
